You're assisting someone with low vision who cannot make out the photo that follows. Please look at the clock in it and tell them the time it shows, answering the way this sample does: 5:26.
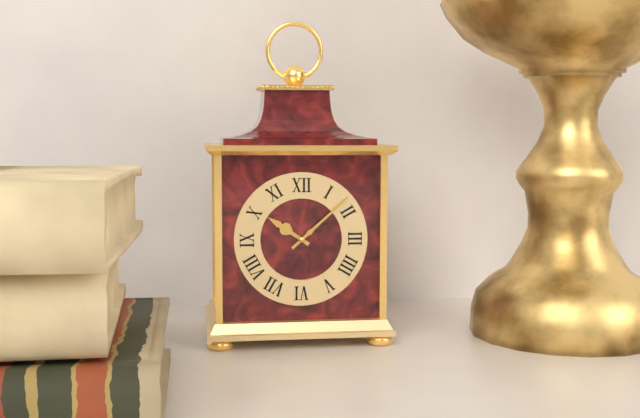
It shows 10:08
